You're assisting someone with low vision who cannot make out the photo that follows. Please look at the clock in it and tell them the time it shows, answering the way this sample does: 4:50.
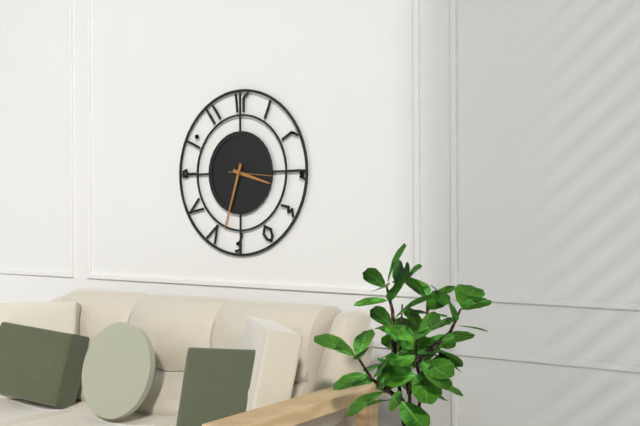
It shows 3:33
